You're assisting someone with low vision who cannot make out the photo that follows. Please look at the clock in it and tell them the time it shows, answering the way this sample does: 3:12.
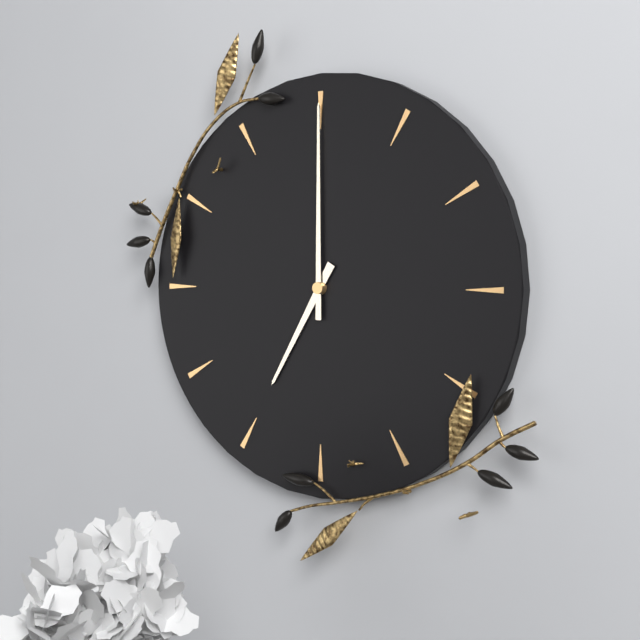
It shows 7:00
